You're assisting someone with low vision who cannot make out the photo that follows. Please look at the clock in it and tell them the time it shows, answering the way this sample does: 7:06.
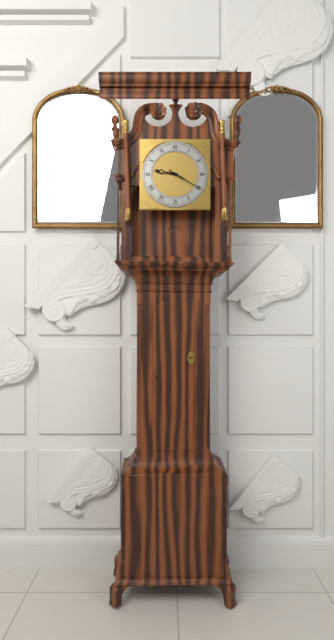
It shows 9:20
